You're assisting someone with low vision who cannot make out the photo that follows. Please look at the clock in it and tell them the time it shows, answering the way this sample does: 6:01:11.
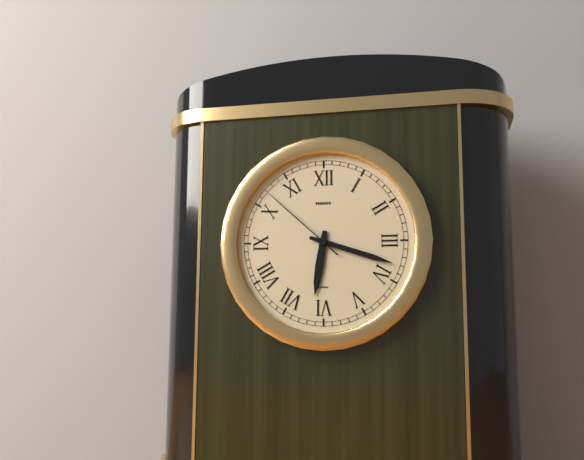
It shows 6:18:52
